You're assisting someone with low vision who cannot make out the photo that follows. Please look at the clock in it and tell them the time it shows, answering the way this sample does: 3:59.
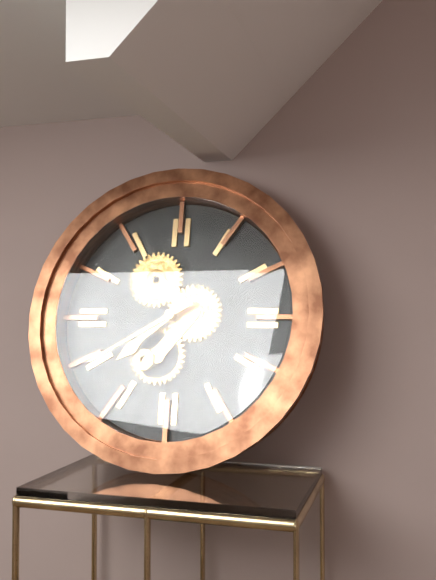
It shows 7:40
